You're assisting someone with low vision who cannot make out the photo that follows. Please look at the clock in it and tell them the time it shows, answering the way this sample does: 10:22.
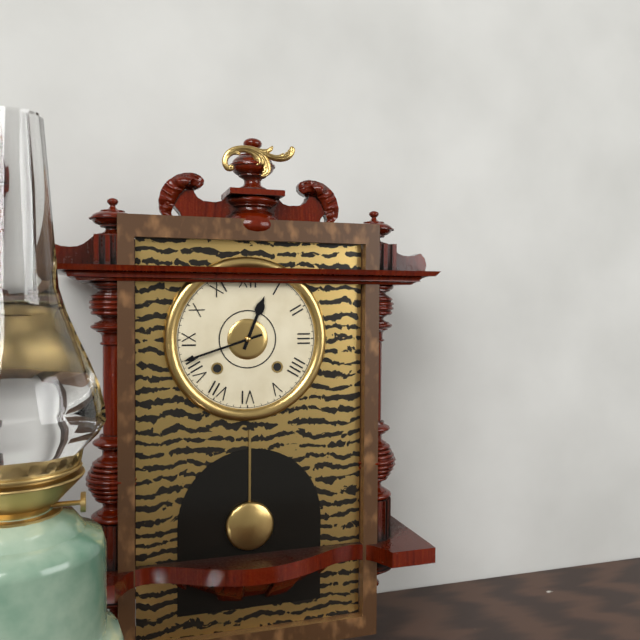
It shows 12:42
